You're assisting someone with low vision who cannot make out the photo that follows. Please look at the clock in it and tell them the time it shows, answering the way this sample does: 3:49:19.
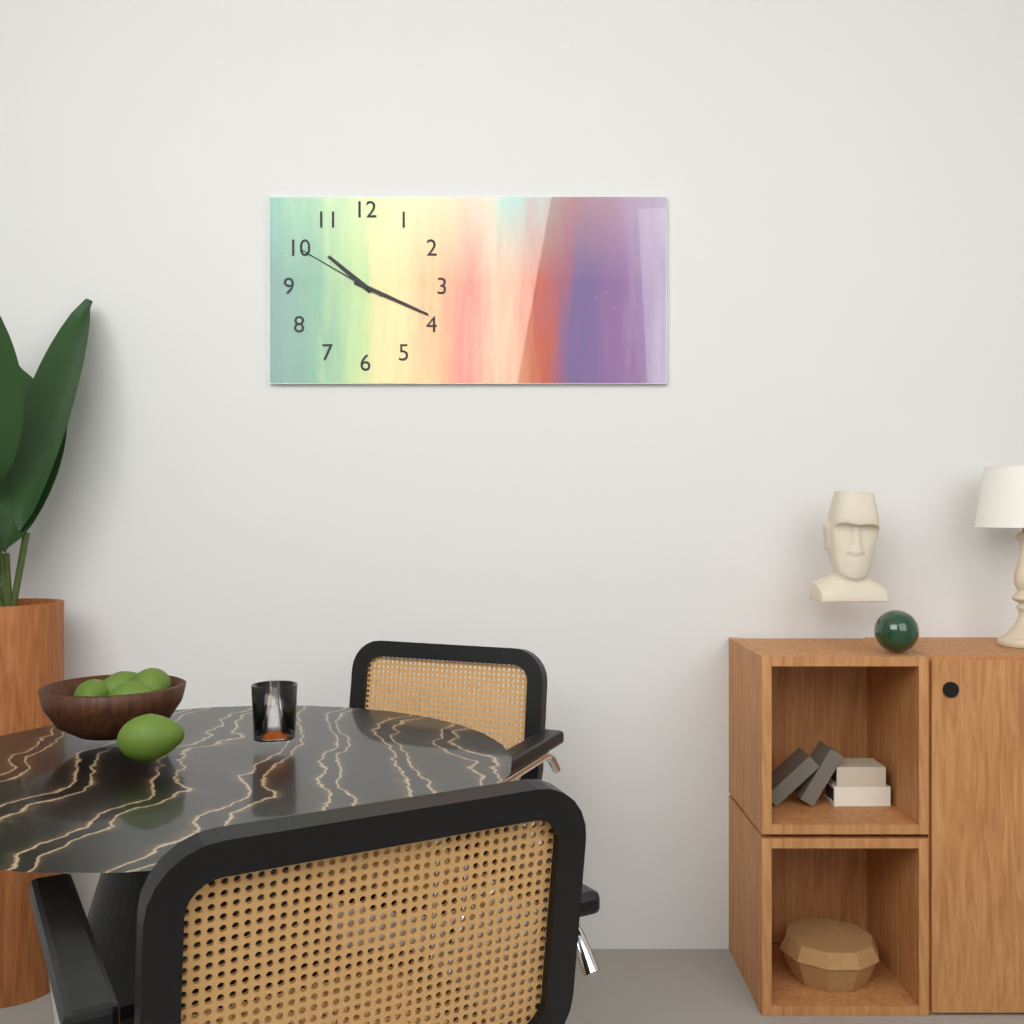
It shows 10:19:50
